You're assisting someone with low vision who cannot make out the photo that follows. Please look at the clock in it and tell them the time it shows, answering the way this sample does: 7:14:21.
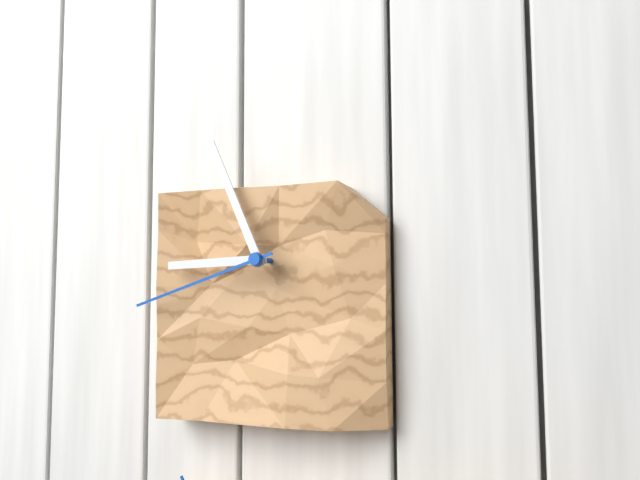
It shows 8:56:42
